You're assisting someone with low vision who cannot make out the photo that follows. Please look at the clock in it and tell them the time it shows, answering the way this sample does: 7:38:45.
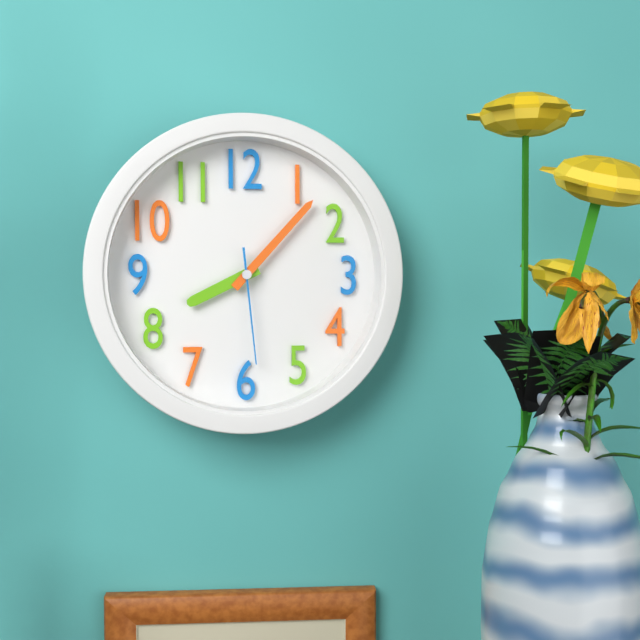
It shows 8:07:29
